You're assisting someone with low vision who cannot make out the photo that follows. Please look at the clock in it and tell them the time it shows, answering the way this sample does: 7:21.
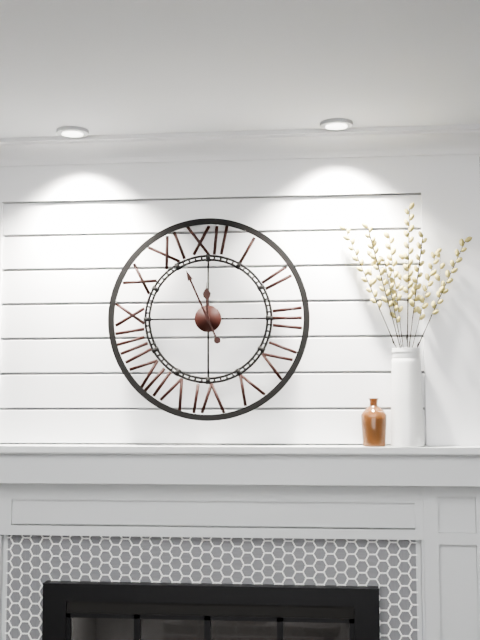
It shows 11:56
